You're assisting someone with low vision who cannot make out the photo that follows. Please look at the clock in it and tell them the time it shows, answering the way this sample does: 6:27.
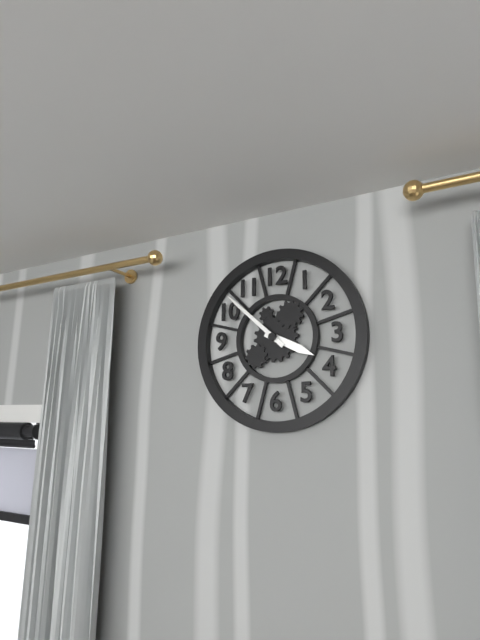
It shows 3:52
